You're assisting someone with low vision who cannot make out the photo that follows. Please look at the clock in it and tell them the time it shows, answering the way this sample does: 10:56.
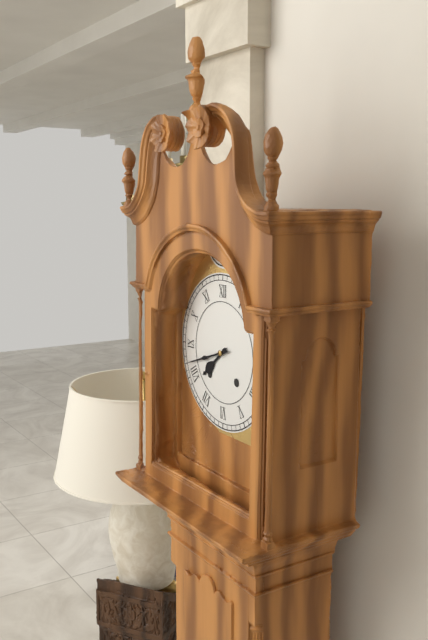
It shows 7:42
